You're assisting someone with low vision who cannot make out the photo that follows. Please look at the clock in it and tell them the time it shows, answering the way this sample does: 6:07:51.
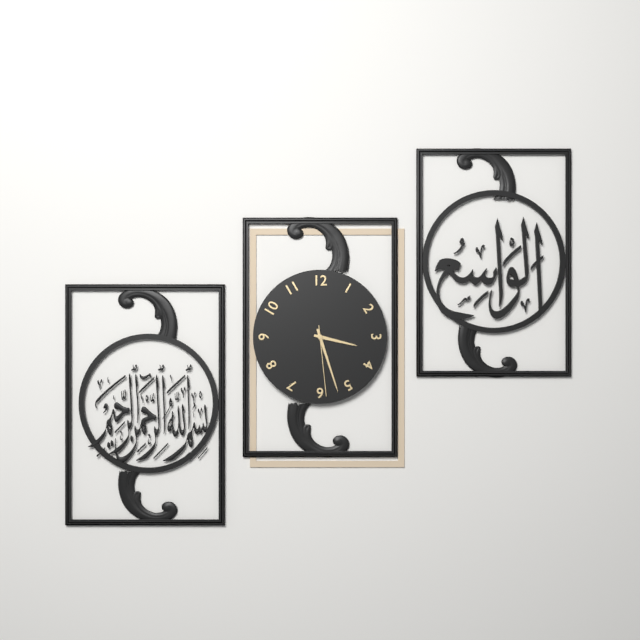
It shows 3:27:29
